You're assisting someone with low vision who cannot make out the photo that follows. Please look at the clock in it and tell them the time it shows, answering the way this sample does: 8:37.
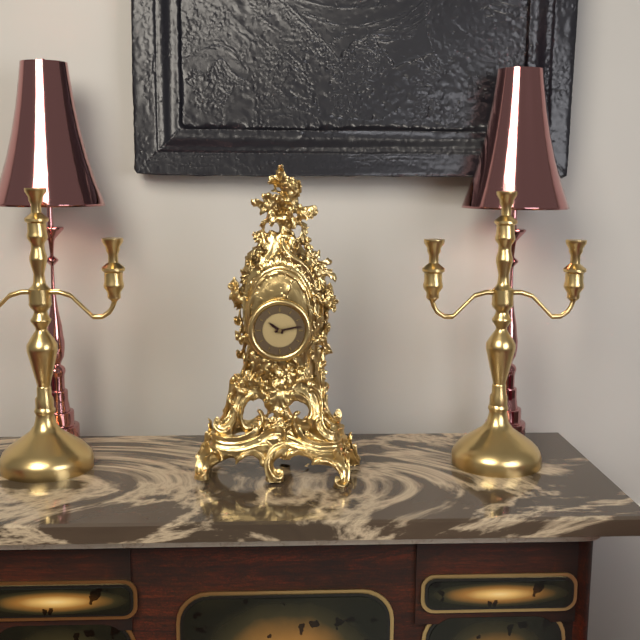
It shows 10:13
